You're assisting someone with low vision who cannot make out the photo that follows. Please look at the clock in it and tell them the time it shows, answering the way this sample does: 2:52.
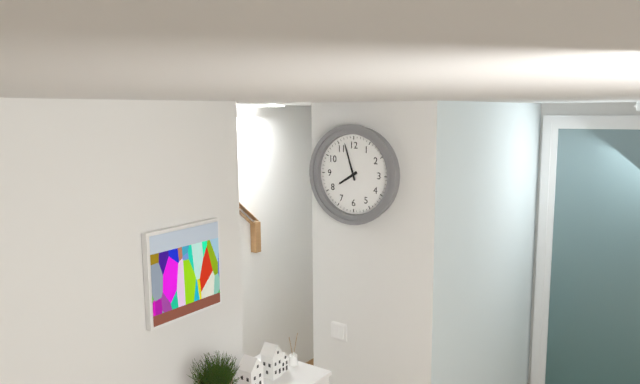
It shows 7:57
